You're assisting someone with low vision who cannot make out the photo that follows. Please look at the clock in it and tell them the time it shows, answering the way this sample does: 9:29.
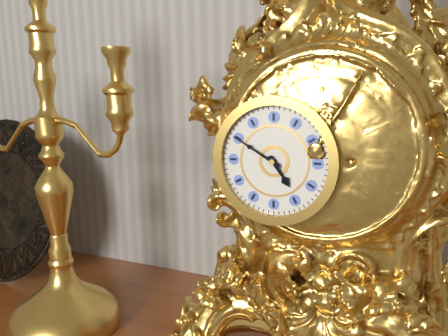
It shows 4:50
